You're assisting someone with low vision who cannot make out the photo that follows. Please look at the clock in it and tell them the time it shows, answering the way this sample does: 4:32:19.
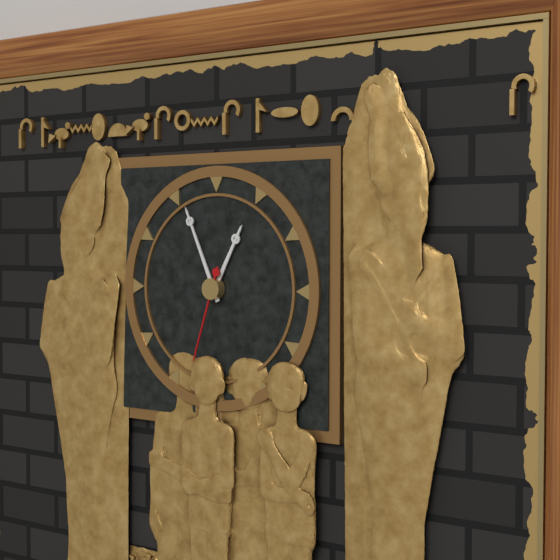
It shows 12:56:33
